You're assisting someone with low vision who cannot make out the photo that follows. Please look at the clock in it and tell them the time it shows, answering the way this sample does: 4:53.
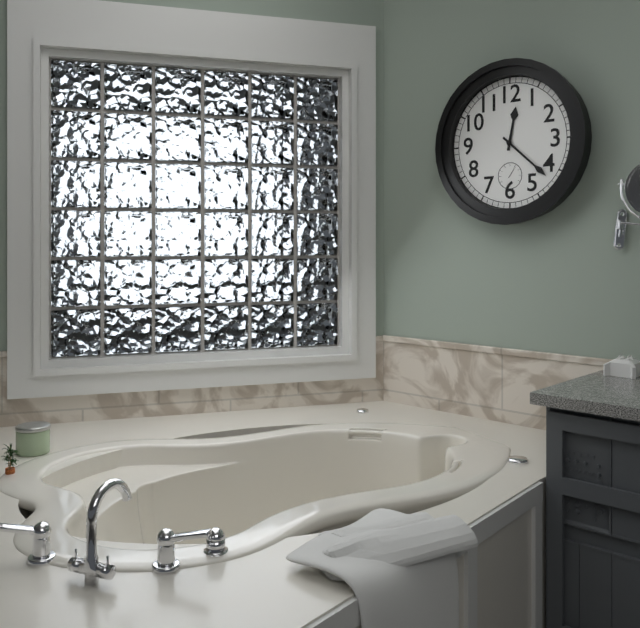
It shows 12:22
